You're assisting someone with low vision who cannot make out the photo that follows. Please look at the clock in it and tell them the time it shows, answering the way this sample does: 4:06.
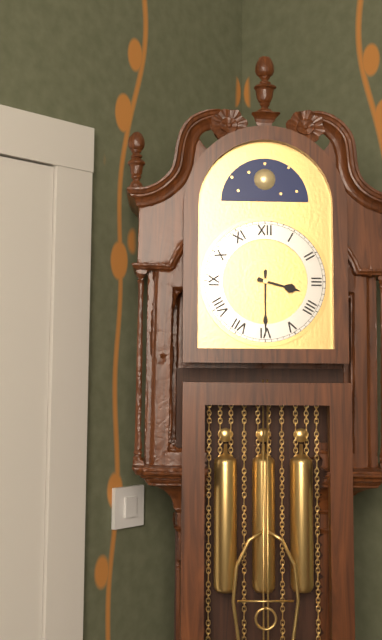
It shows 3:30
